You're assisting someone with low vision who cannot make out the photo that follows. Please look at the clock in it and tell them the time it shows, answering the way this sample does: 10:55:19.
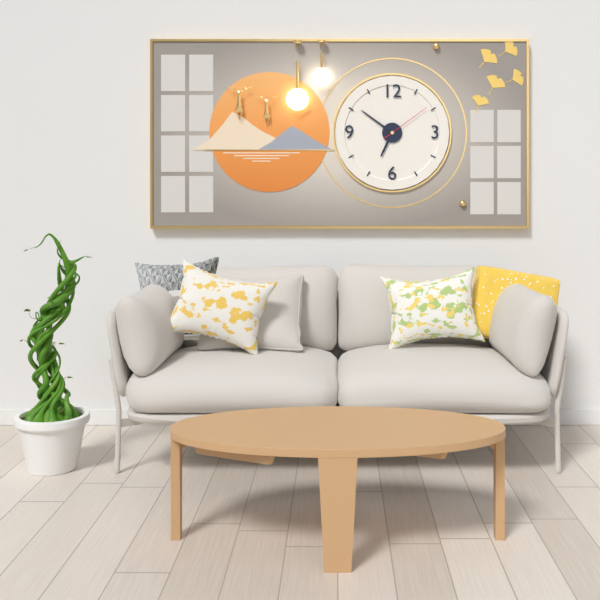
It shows 6:51:09
